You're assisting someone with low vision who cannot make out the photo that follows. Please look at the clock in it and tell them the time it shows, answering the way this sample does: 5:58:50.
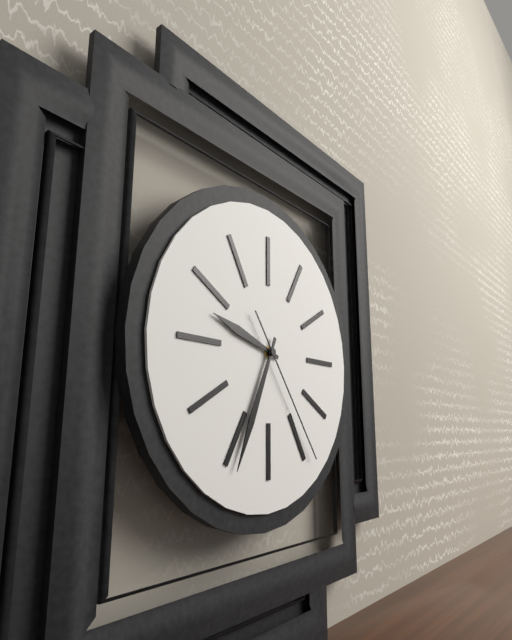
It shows 9:34:24
